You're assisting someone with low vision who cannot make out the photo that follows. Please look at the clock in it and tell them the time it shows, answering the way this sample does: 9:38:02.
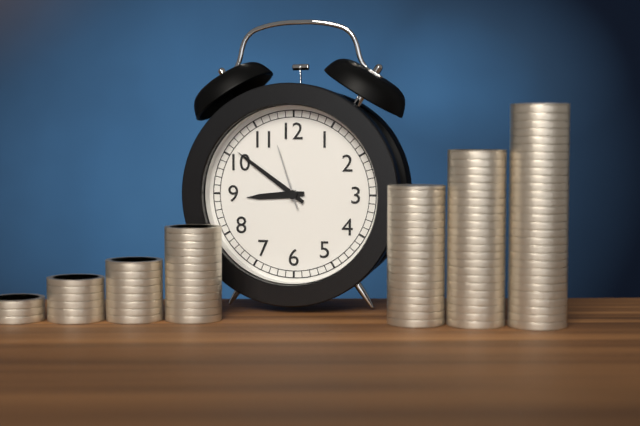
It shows 8:51:57
